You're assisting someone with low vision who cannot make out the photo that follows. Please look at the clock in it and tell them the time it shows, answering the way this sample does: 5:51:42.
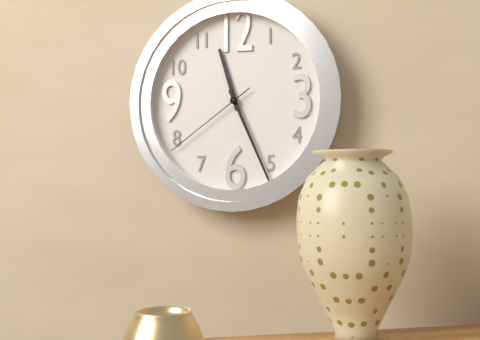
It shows 11:26:39
